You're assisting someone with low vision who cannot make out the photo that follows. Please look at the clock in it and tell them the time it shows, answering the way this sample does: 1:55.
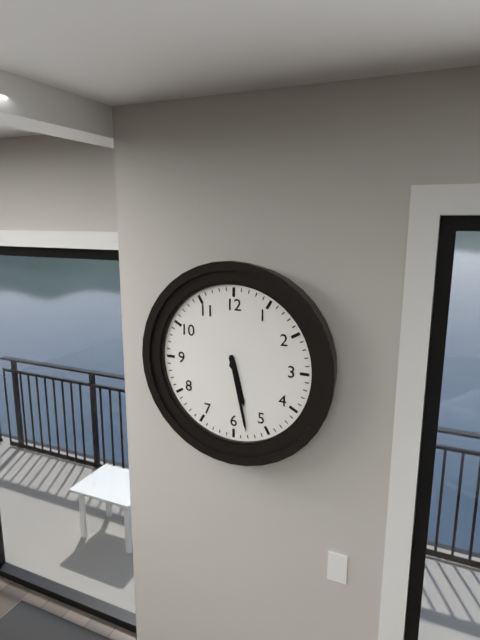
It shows 5:28
